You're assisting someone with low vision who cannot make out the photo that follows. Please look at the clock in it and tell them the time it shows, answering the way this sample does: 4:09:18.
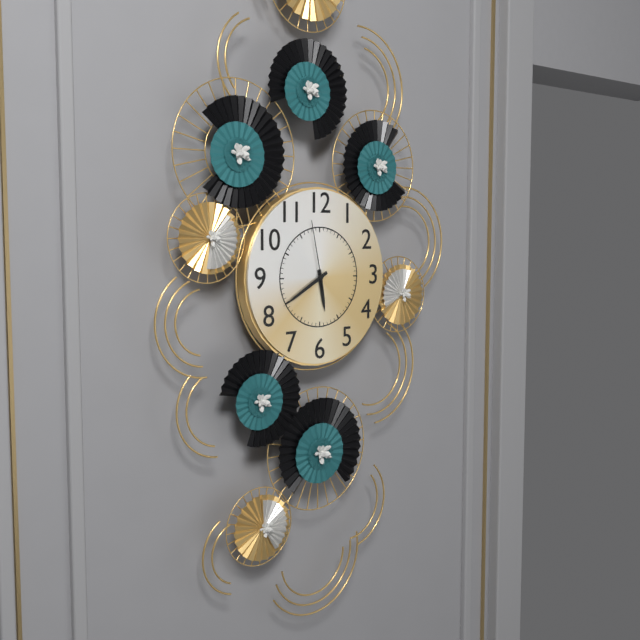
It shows 5:40:58
